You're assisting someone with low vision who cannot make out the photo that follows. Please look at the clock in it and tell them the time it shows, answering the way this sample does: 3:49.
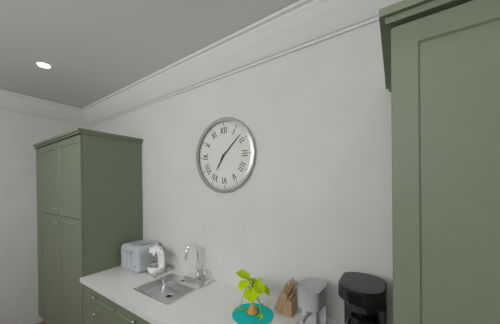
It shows 7:08
